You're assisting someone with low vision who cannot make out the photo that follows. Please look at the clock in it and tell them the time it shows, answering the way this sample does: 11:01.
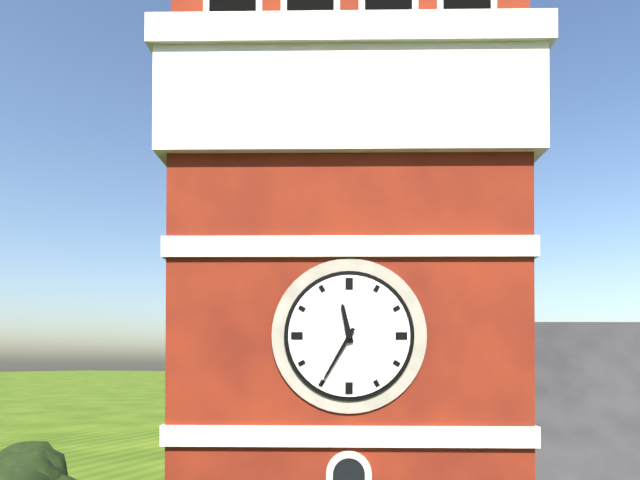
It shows 11:35
